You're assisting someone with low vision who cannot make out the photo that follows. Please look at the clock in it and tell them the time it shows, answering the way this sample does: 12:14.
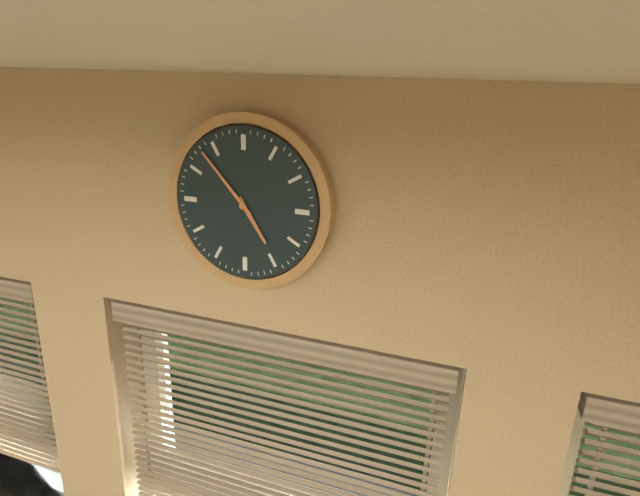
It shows 4:53
